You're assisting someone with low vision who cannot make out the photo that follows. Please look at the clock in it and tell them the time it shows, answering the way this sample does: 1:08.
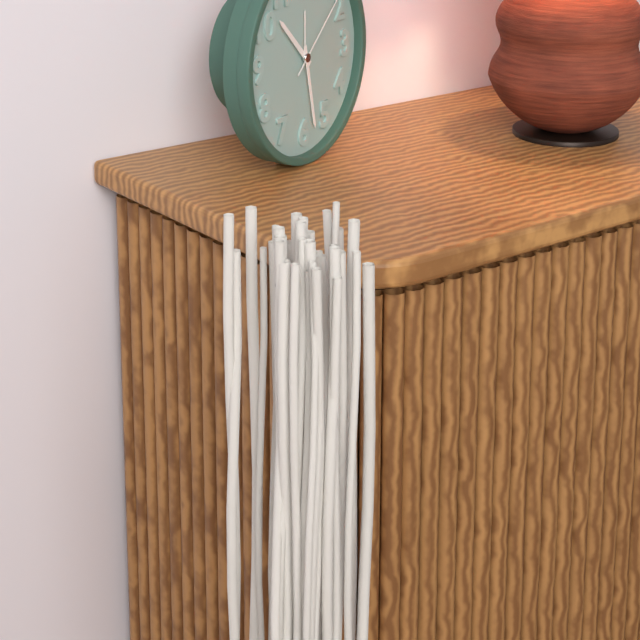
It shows 10:28
